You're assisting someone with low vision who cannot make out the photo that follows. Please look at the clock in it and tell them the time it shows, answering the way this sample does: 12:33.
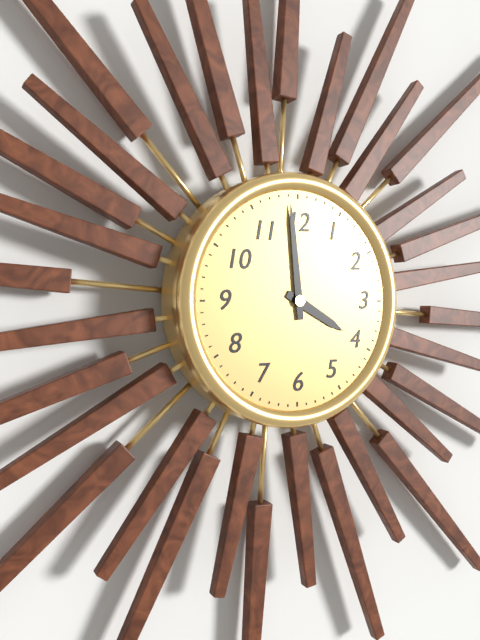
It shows 3:59
